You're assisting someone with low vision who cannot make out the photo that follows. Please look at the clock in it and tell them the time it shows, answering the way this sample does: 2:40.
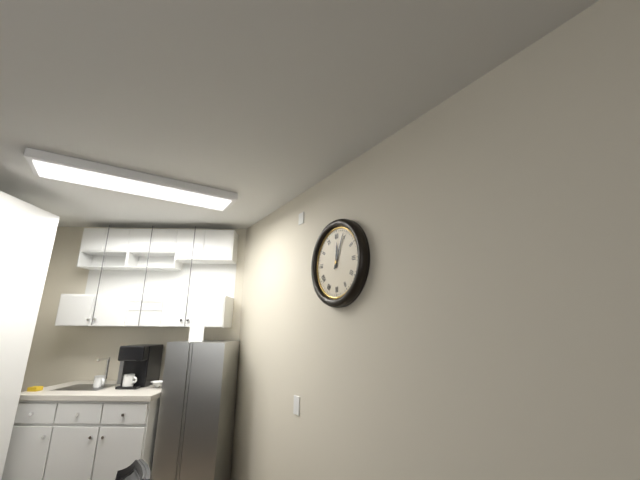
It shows 12:04
